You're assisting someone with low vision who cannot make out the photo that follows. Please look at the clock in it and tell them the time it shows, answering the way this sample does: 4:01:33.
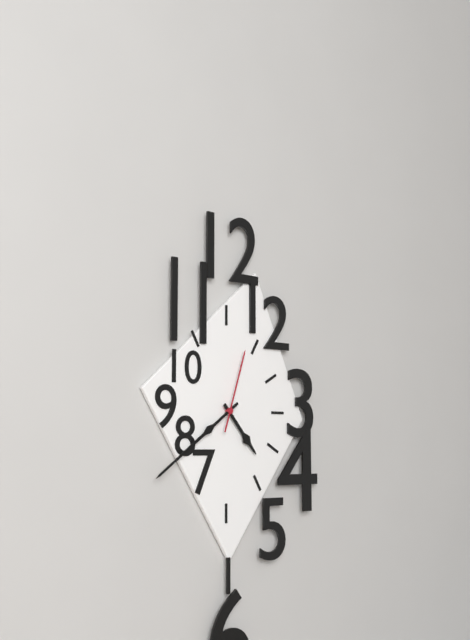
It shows 4:39:03
